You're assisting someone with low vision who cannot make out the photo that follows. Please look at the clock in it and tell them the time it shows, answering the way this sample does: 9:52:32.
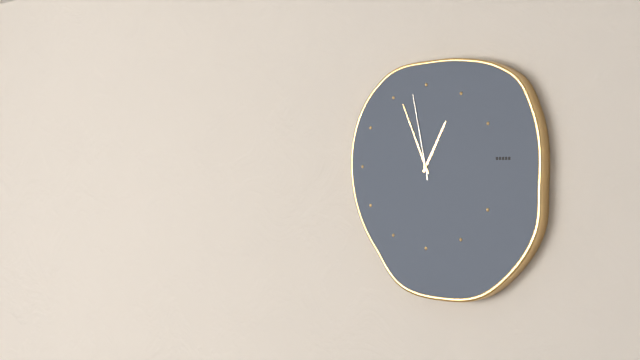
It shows 12:56:58
